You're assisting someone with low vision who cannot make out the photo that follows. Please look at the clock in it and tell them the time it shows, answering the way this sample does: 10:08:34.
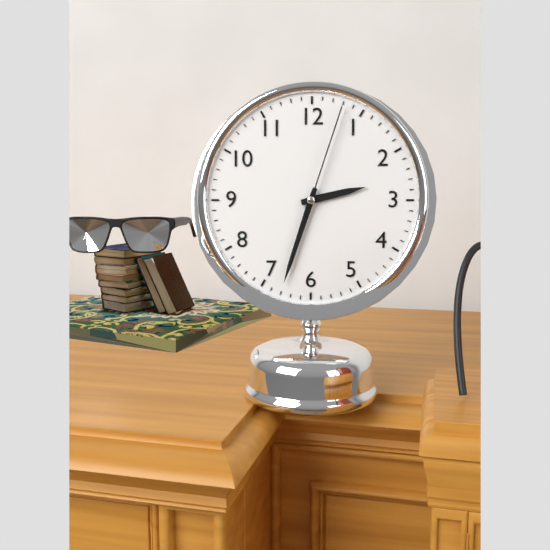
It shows 2:33:03
